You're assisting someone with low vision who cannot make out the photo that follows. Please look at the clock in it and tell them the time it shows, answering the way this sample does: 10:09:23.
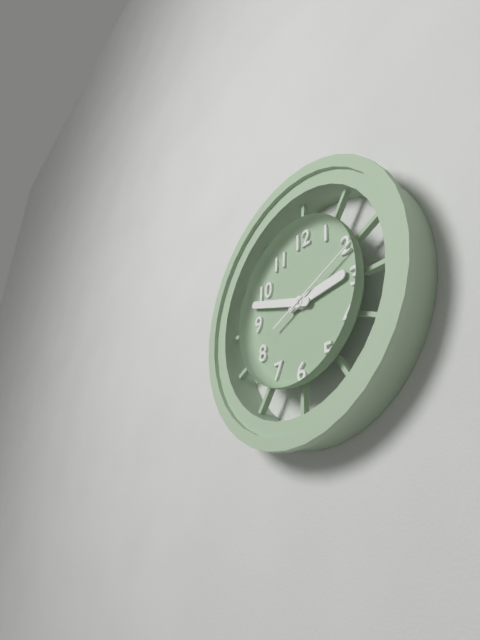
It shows 2:48:11
